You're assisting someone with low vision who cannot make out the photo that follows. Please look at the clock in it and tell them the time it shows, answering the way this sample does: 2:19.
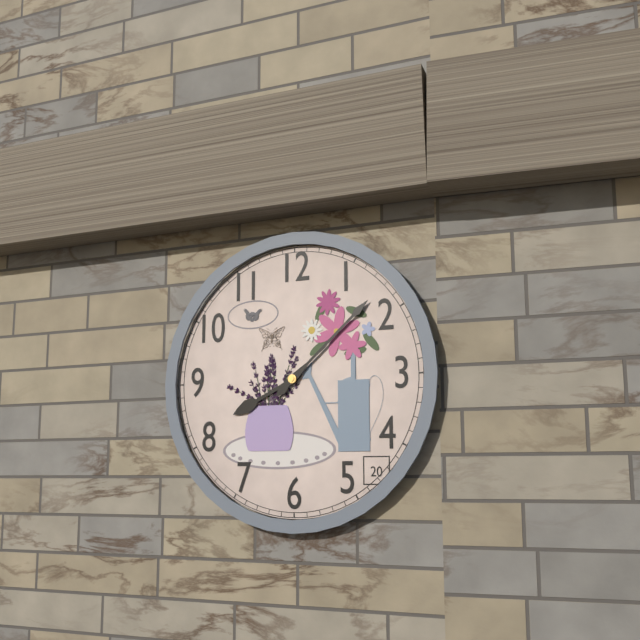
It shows 8:08
